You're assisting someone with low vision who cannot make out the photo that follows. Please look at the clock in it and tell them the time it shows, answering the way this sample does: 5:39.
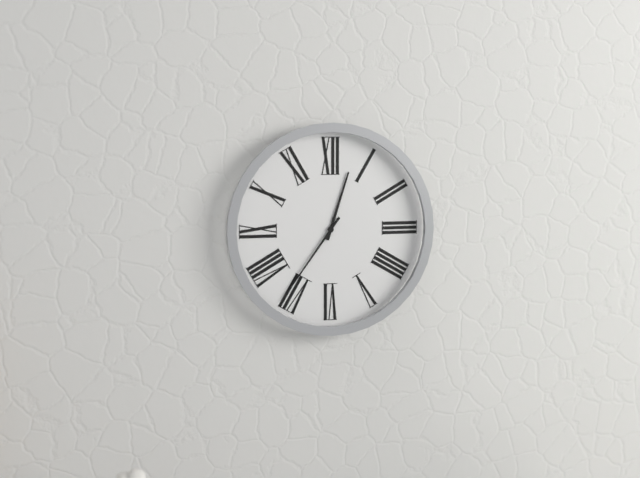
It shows 12:36
